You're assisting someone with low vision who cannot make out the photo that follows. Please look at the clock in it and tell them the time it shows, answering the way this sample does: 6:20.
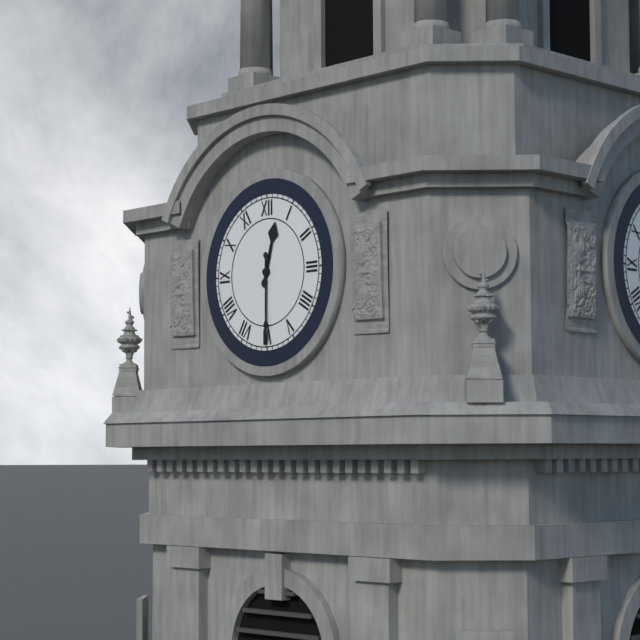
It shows 12:30
